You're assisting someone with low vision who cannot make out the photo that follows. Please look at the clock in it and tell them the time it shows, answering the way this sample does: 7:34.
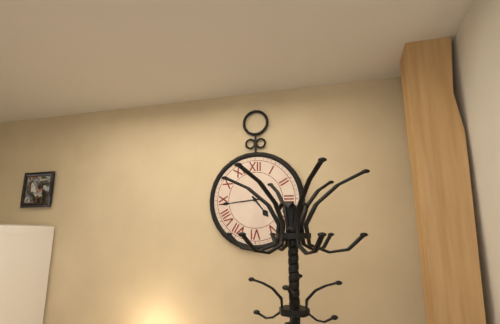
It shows 4:44
